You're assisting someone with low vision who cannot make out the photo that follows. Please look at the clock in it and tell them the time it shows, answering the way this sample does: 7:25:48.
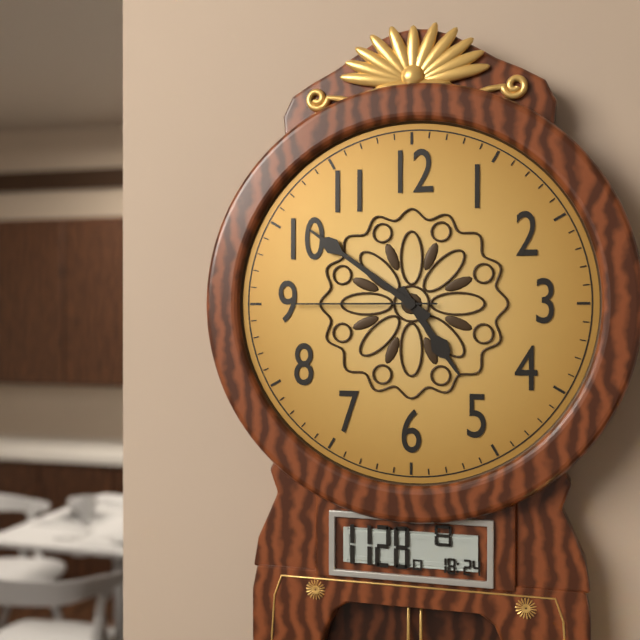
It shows 4:51:45
